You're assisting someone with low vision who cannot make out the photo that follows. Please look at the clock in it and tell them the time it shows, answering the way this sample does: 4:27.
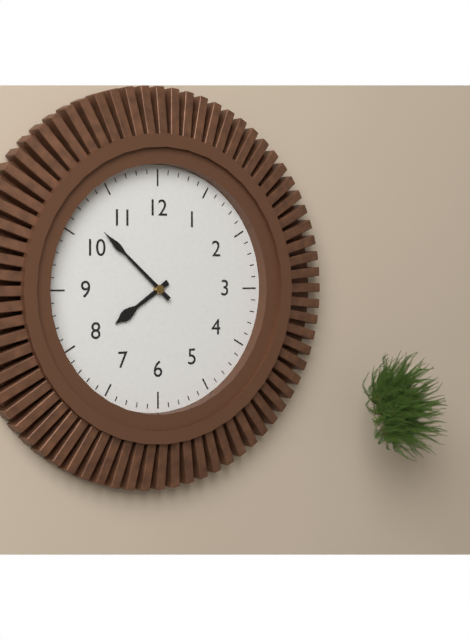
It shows 7:52
